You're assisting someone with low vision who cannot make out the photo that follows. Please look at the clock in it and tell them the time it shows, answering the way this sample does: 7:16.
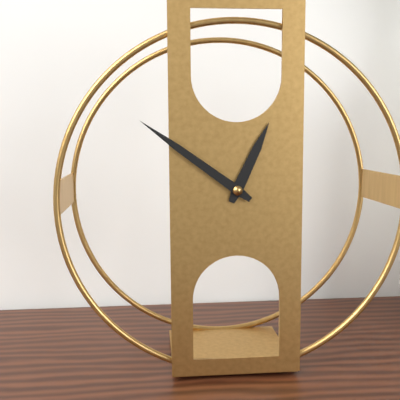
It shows 12:51
